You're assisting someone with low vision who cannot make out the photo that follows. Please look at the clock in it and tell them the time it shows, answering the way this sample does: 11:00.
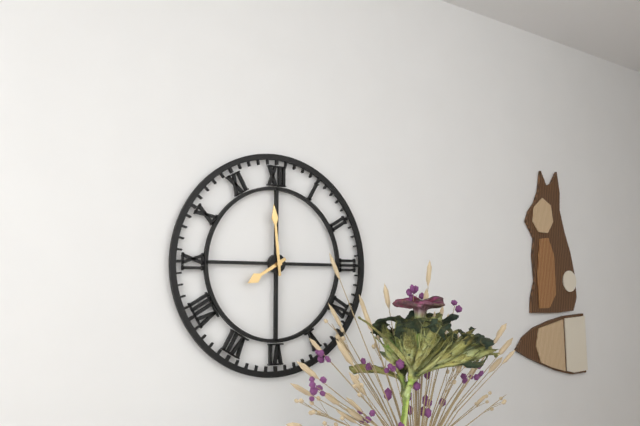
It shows 7:59
